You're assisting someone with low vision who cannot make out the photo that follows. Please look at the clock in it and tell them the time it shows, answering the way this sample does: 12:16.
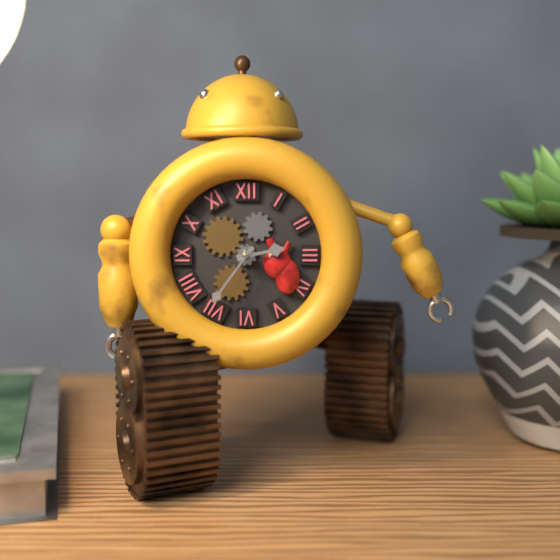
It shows 2:36
